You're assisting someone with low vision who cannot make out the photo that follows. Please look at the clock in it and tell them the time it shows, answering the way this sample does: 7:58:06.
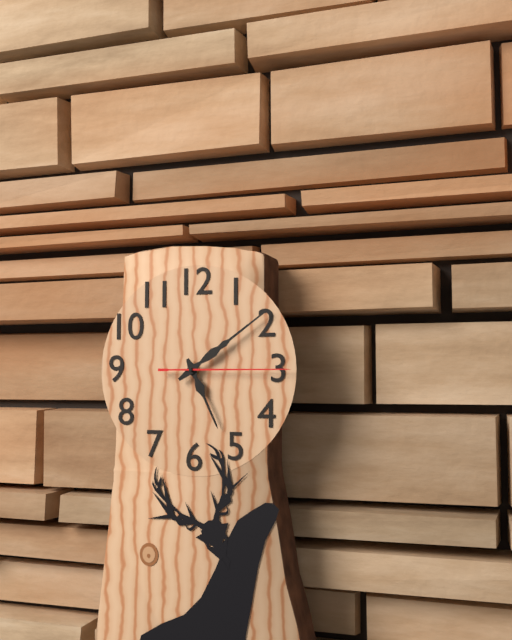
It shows 5:09:15
